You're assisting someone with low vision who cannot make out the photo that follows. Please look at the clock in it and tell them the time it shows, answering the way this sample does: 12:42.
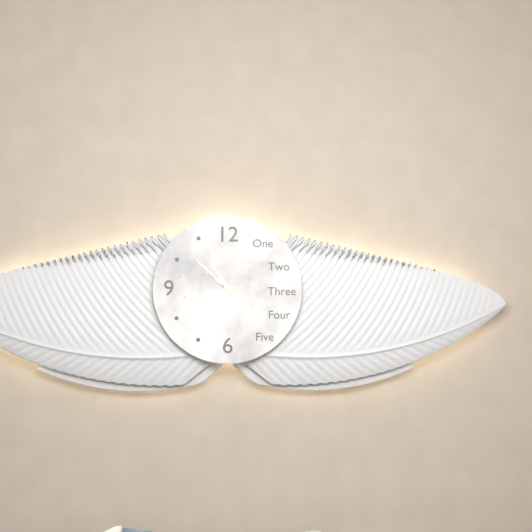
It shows 10:52
